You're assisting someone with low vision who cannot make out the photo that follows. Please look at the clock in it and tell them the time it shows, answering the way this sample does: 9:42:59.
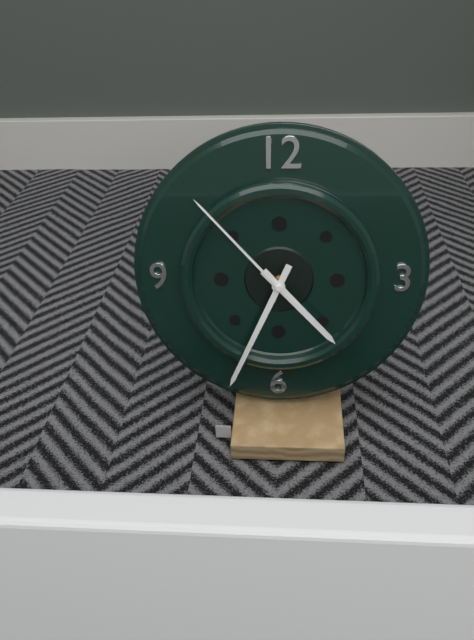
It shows 4:34:53
